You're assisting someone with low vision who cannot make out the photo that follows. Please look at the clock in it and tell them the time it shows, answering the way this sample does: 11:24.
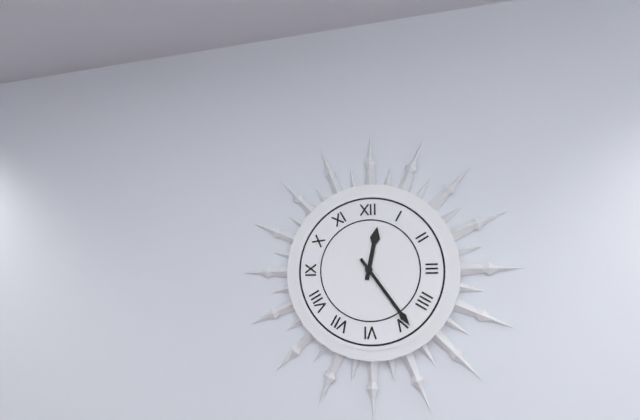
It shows 12:24
